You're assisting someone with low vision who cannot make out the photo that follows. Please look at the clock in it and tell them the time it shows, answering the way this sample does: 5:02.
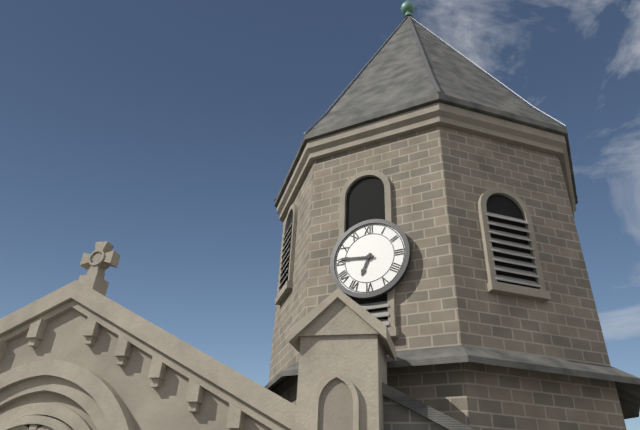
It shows 6:46
